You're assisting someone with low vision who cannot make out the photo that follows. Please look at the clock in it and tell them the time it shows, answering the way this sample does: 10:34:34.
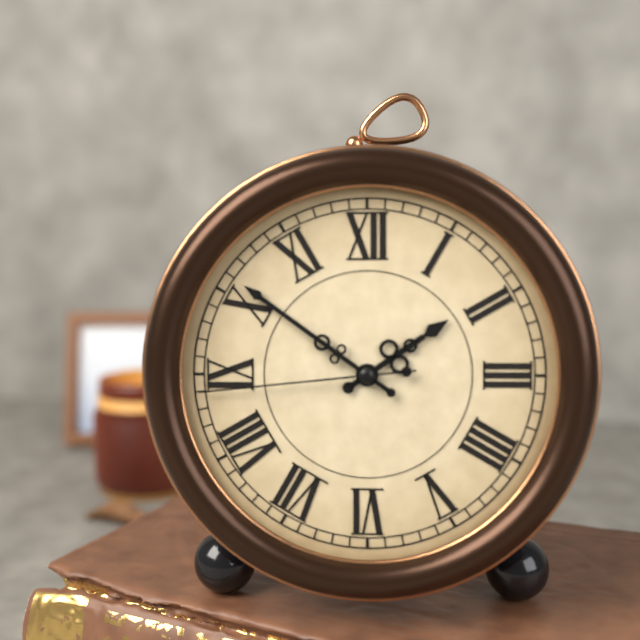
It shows 1:51:44
